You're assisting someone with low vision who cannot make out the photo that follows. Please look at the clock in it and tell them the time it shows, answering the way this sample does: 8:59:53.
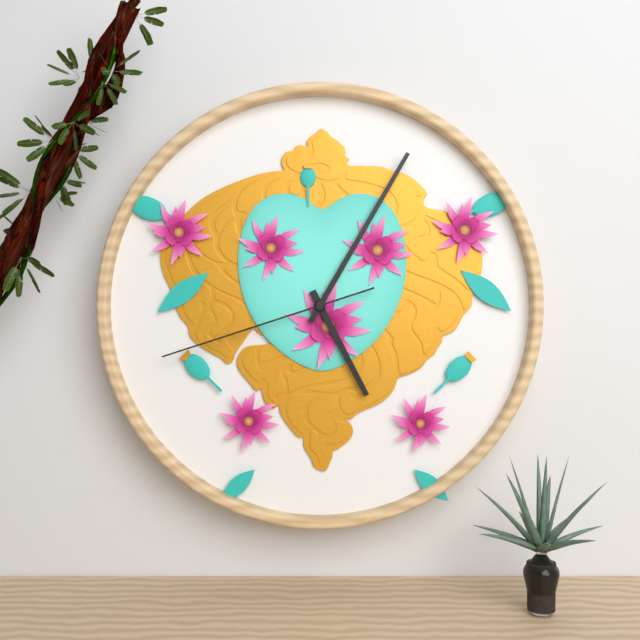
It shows 5:05:42
